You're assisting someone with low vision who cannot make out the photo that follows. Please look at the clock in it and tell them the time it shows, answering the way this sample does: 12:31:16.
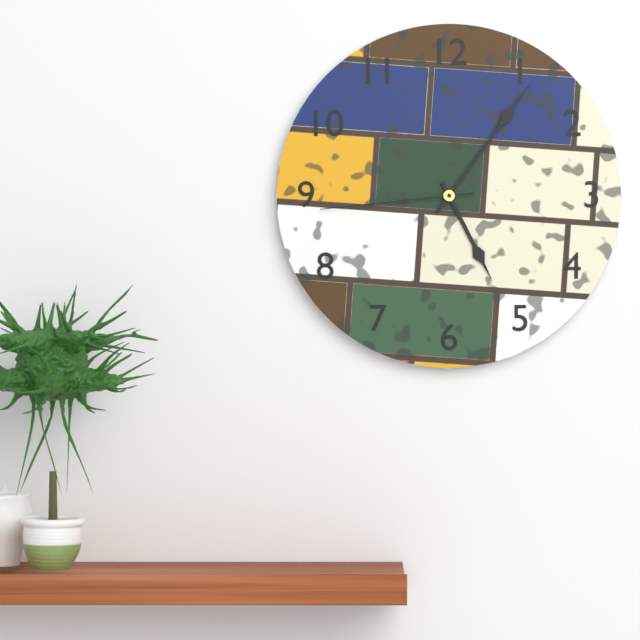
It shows 5:06:44
